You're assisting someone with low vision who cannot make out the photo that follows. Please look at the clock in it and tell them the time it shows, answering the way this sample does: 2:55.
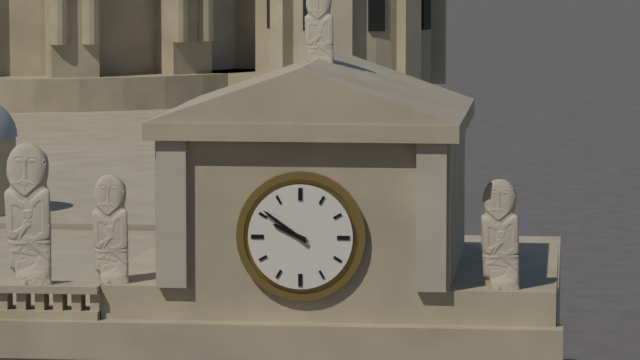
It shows 9:51
